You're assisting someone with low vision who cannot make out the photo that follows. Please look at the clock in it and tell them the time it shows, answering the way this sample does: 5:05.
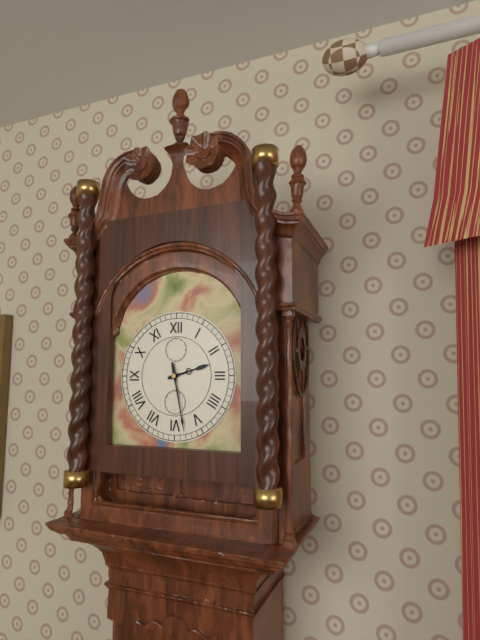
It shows 2:28
